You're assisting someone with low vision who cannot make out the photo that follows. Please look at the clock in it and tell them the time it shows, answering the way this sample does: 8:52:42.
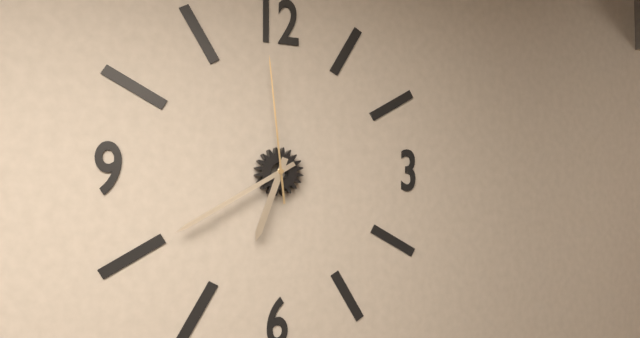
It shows 6:40:59
